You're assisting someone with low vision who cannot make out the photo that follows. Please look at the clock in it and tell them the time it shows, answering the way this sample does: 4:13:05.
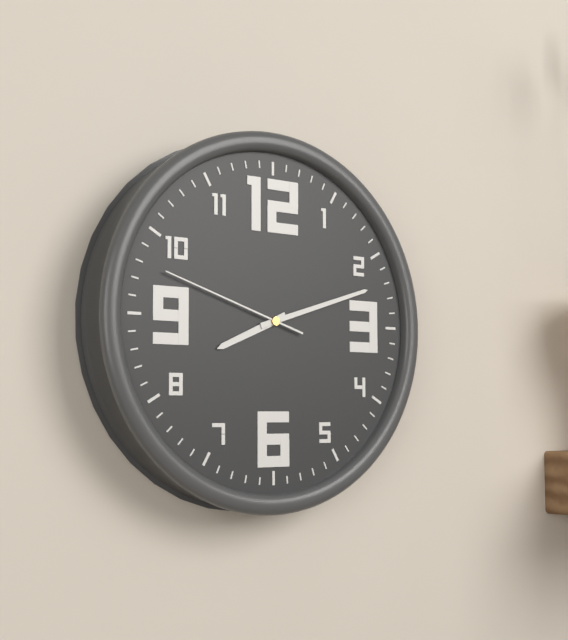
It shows 8:12:48
